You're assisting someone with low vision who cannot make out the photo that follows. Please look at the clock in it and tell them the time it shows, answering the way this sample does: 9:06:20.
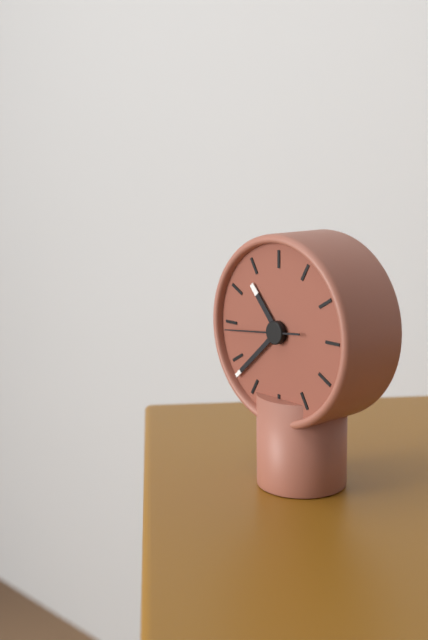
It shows 10:38:44
